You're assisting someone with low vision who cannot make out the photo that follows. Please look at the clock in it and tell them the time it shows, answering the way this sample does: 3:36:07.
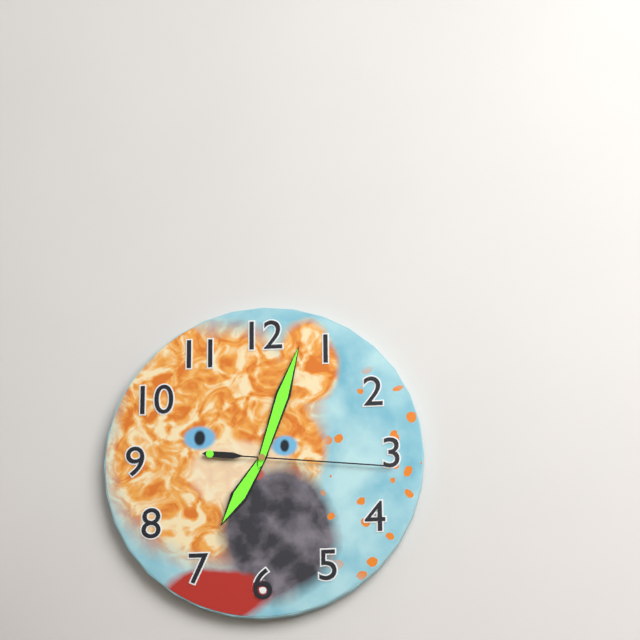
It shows 7:03:16
